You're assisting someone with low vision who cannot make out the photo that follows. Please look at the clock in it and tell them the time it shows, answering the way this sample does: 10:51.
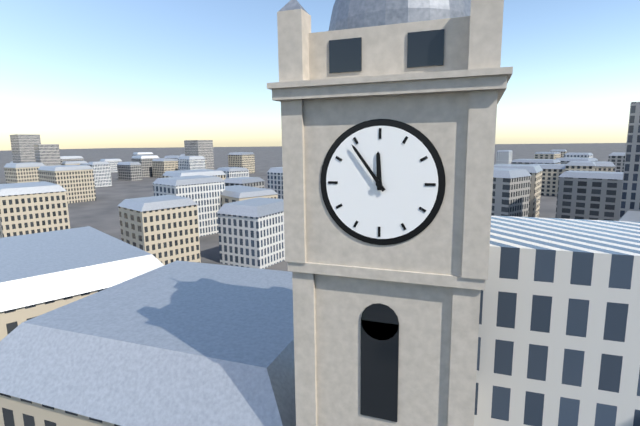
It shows 11:54
